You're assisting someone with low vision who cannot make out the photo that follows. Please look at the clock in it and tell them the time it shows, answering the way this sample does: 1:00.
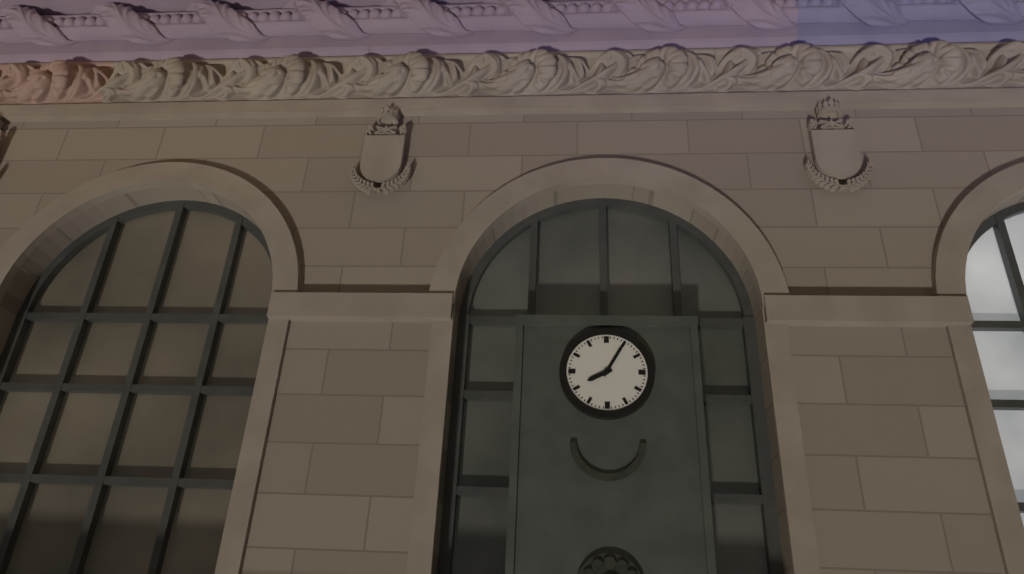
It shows 8:05
